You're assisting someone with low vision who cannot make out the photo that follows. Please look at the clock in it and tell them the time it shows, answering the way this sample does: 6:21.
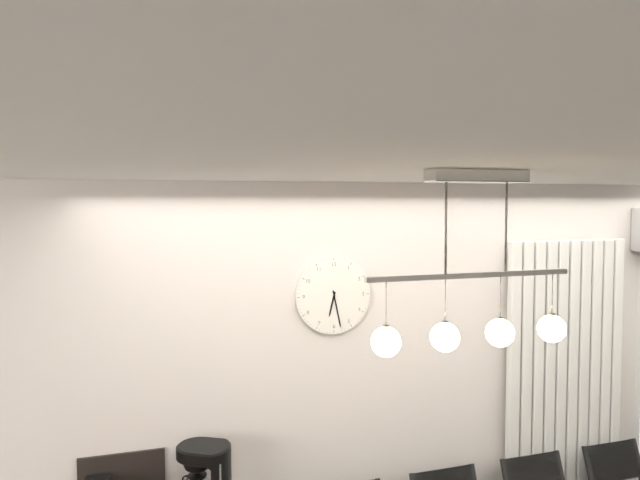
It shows 6:28
